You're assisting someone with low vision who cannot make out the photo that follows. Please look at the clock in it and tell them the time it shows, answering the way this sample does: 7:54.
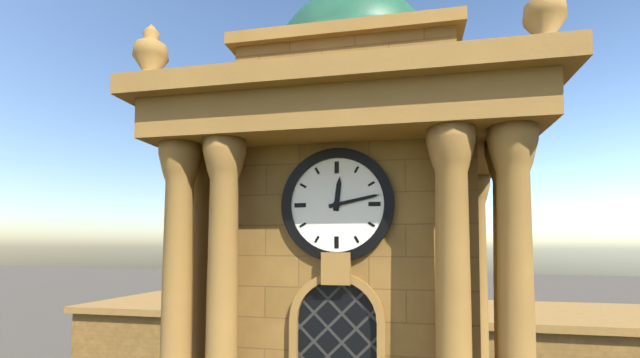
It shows 12:13
